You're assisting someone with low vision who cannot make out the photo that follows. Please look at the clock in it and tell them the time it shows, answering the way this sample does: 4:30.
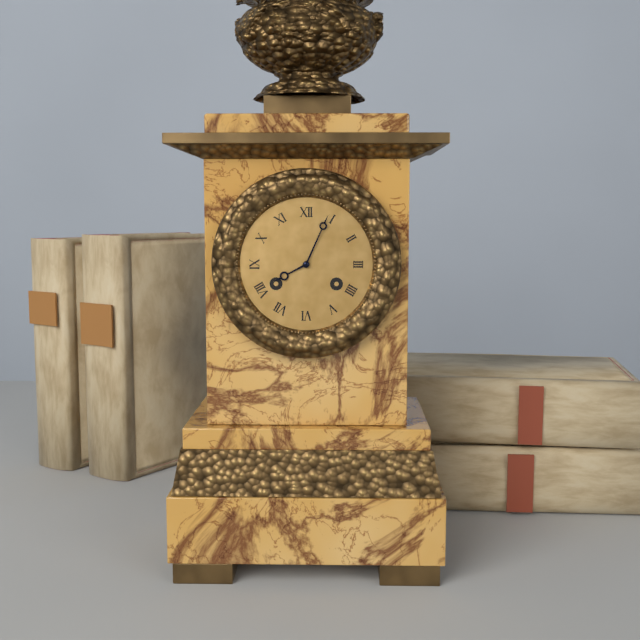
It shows 8:04
